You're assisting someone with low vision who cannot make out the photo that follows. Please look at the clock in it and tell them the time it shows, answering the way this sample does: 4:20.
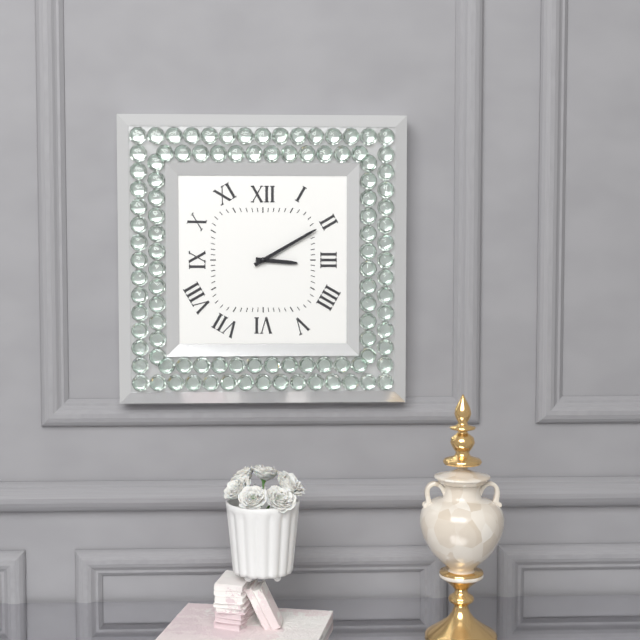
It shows 3:10
